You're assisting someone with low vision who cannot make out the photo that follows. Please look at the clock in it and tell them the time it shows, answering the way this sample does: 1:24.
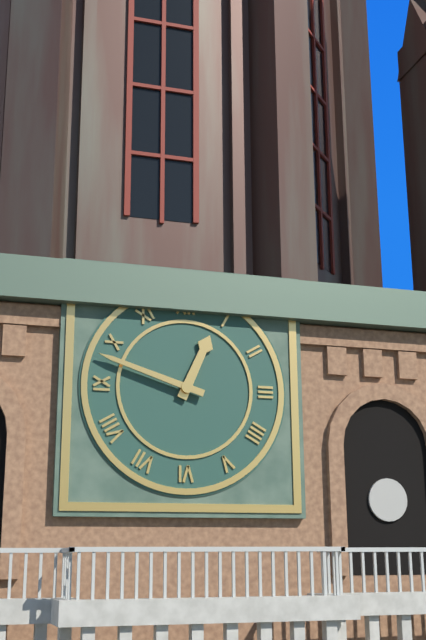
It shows 12:48
